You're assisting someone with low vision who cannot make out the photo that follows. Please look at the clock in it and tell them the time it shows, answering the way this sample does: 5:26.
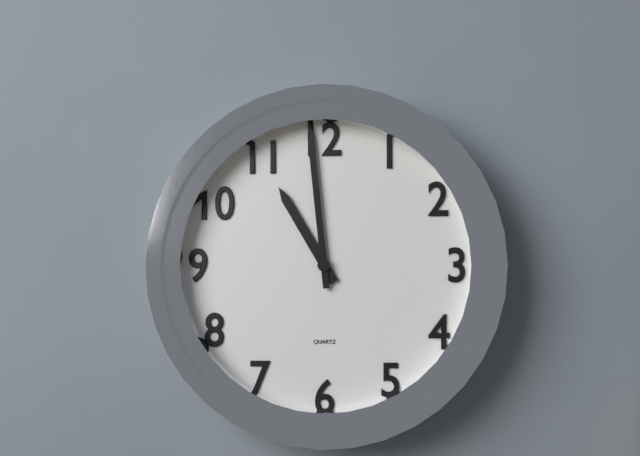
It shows 10:59
